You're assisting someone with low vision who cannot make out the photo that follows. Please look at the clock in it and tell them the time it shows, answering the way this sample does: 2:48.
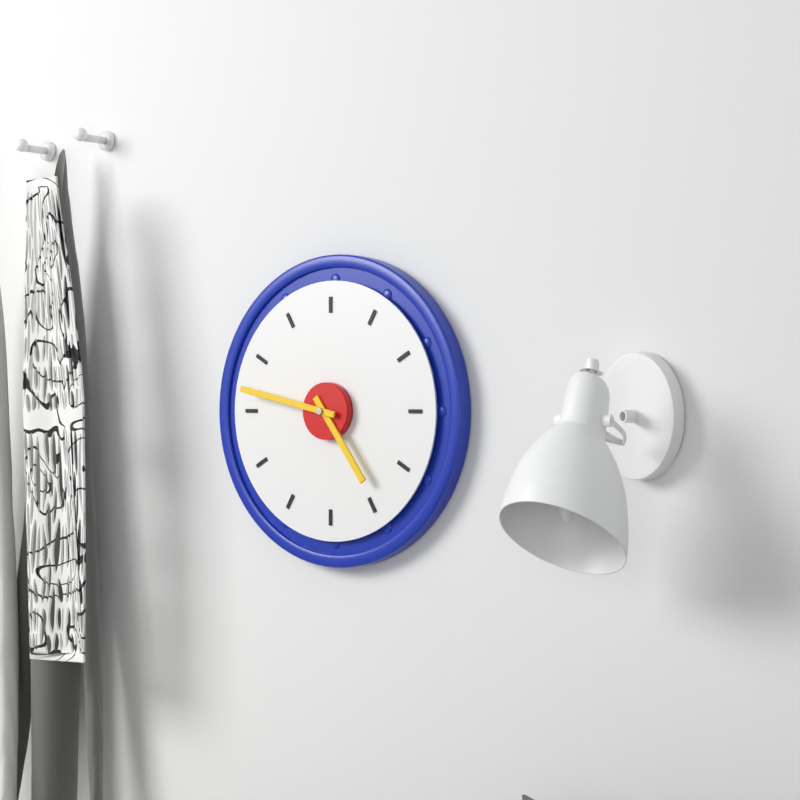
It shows 4:47
